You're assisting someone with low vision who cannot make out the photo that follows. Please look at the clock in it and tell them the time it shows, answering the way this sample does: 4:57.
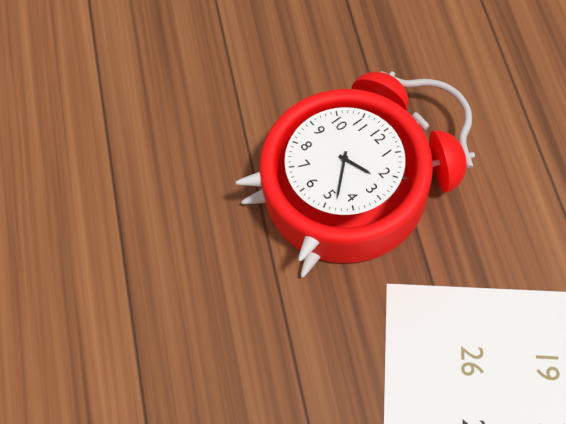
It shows 2:23
